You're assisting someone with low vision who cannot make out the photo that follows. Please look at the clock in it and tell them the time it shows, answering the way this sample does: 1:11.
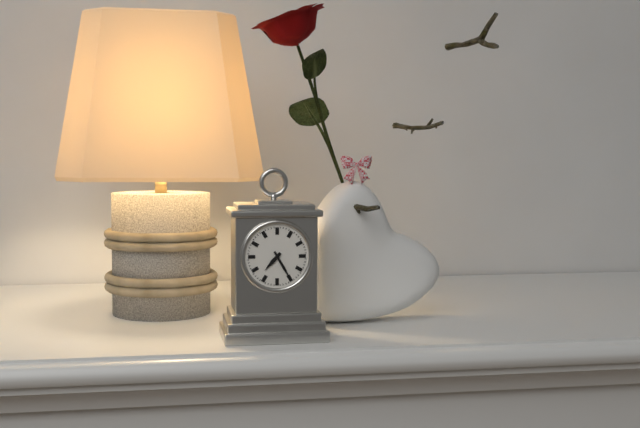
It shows 7:25
